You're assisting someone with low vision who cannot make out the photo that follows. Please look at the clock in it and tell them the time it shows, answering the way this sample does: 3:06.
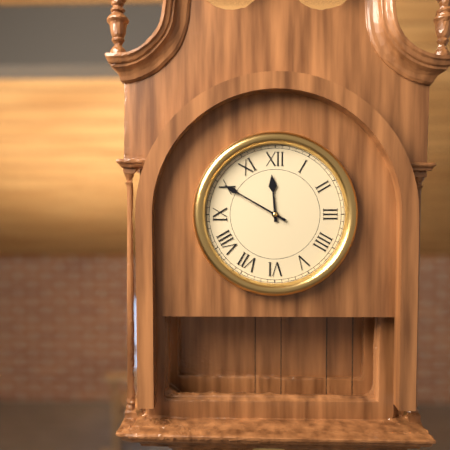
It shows 11:50
